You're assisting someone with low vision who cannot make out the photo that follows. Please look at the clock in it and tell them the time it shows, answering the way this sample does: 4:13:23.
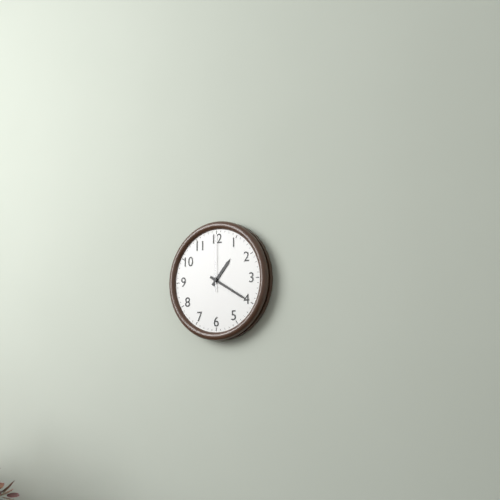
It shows 1:20:00
